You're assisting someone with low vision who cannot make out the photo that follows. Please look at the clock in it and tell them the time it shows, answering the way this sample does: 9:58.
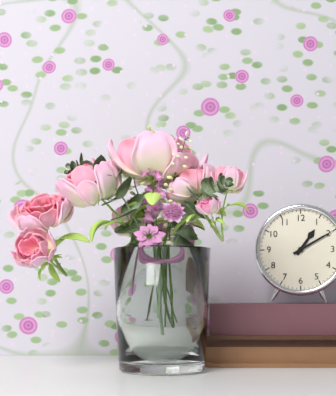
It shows 1:10
